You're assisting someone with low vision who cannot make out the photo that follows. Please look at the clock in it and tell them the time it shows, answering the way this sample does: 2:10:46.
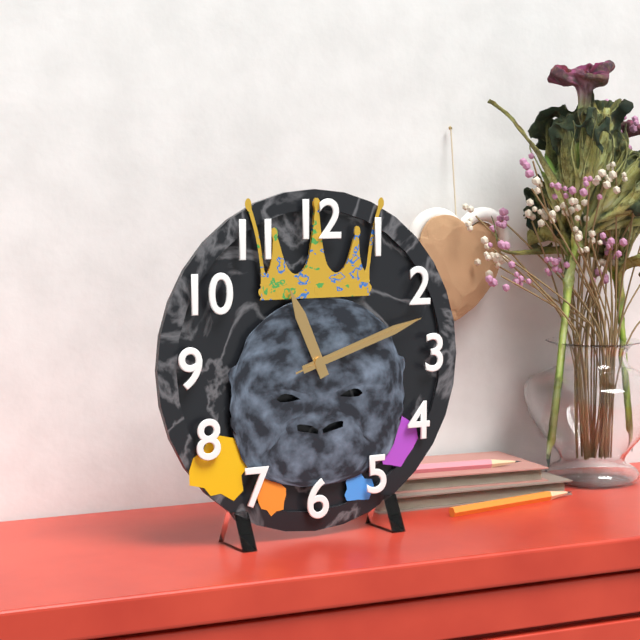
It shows 11:12:12
